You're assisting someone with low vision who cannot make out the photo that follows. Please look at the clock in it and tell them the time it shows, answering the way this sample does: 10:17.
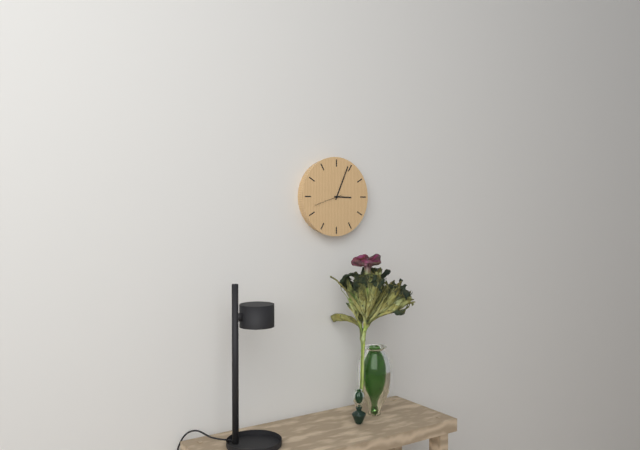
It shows 3:04
